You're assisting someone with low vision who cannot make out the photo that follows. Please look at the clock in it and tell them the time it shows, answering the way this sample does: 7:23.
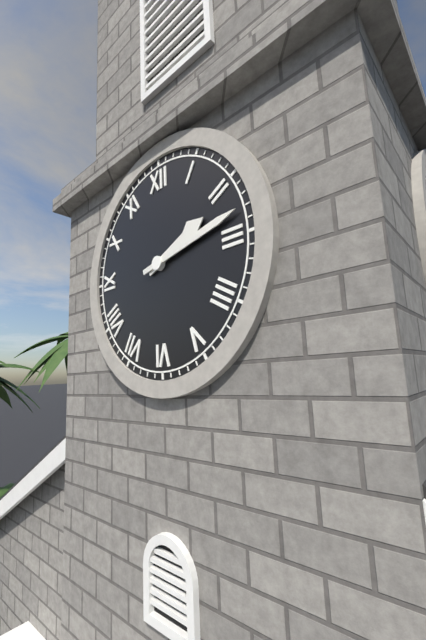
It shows 2:13
